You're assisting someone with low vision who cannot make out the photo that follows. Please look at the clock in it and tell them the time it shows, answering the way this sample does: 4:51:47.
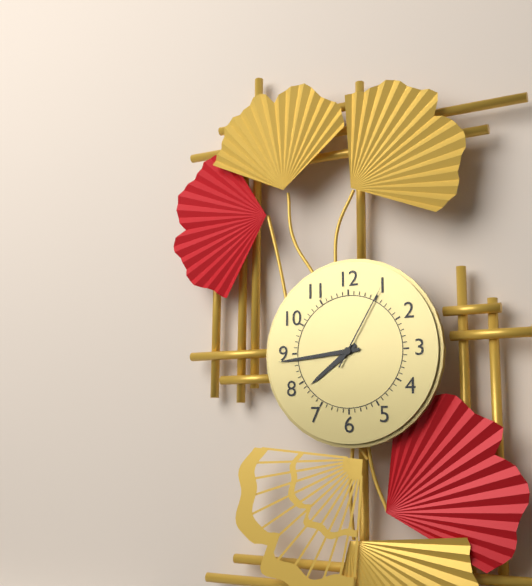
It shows 7:44:05
